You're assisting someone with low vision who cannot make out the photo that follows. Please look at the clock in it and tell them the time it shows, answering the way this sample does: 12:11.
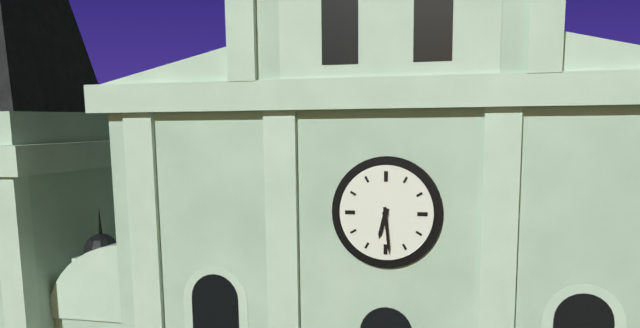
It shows 6:29
